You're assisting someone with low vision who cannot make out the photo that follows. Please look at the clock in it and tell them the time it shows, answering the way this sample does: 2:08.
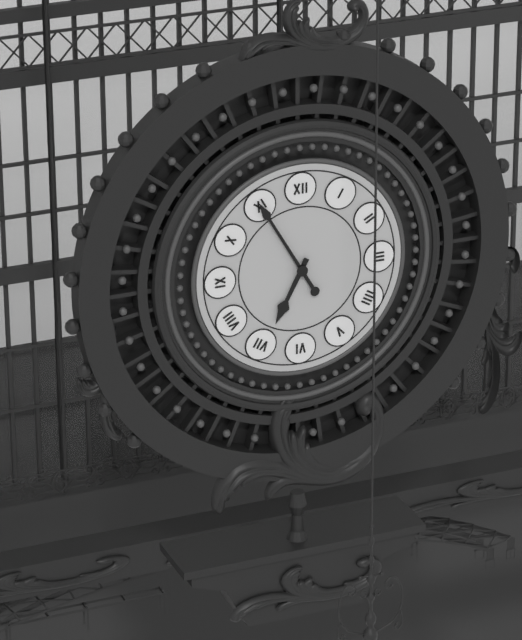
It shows 6:55
